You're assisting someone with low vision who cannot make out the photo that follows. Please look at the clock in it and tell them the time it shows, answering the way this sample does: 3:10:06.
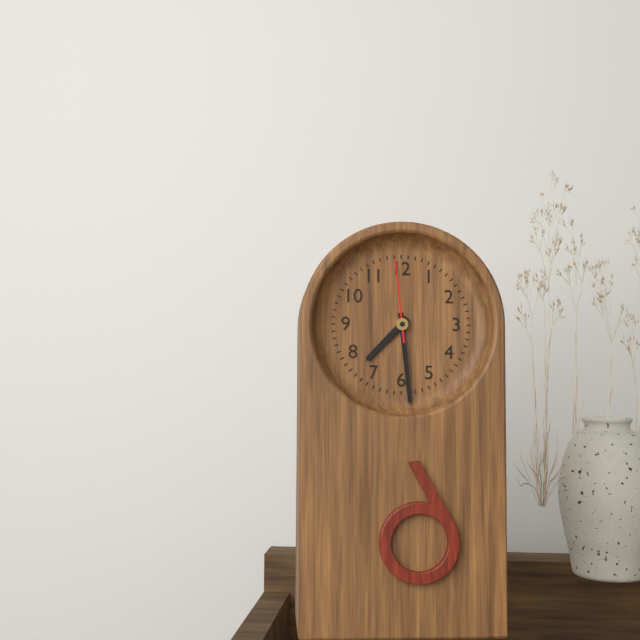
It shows 7:29:59
